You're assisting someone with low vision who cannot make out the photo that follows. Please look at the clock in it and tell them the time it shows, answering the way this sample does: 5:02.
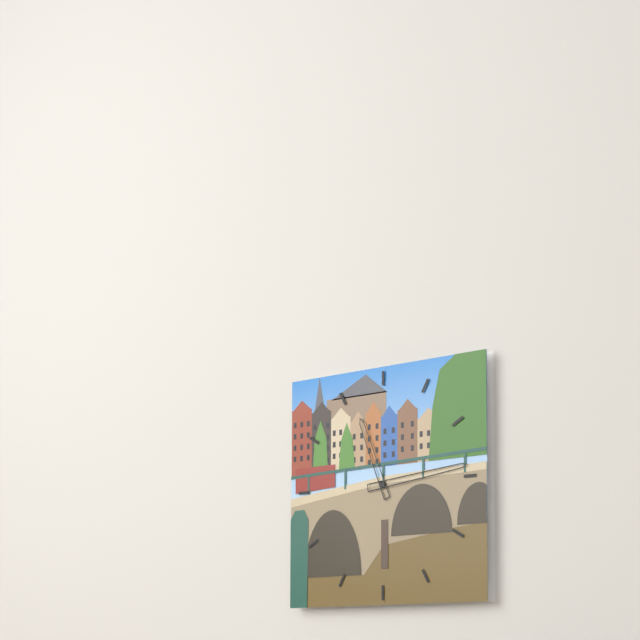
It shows 11:14
